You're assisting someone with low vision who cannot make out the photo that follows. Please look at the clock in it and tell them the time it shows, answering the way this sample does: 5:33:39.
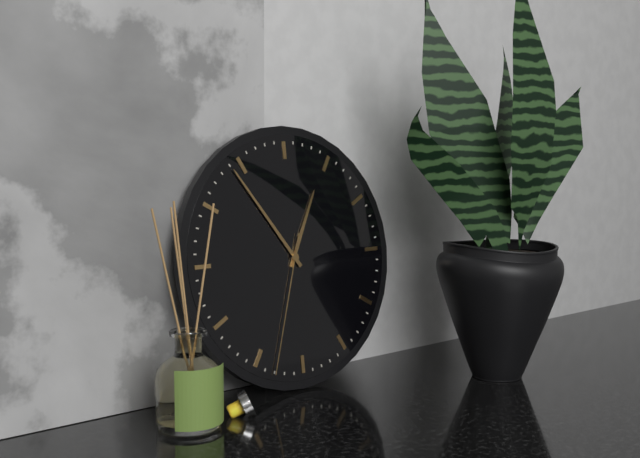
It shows 12:54:33
